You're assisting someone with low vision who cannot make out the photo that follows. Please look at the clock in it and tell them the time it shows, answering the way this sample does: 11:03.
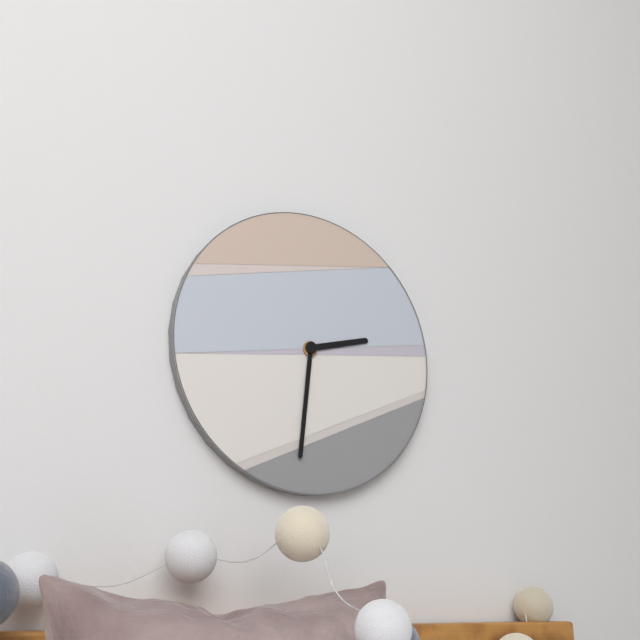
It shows 2:31
